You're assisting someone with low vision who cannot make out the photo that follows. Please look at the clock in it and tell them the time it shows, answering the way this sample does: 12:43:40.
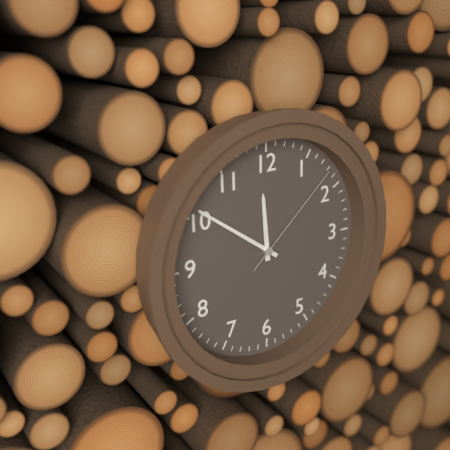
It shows 11:51:08
